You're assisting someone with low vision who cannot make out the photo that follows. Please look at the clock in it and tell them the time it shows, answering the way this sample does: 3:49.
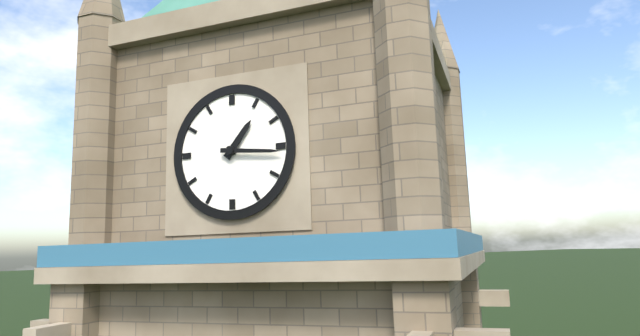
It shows 1:16
